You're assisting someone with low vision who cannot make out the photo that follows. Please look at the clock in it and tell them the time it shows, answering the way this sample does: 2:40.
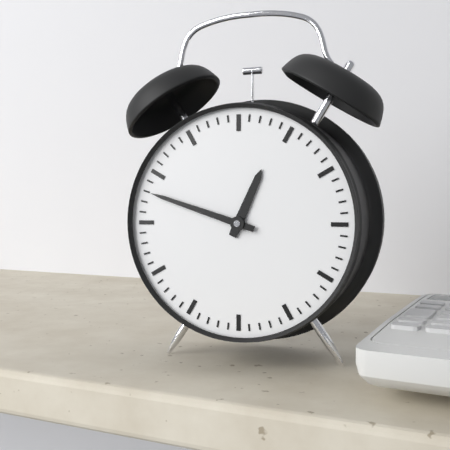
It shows 12:48
